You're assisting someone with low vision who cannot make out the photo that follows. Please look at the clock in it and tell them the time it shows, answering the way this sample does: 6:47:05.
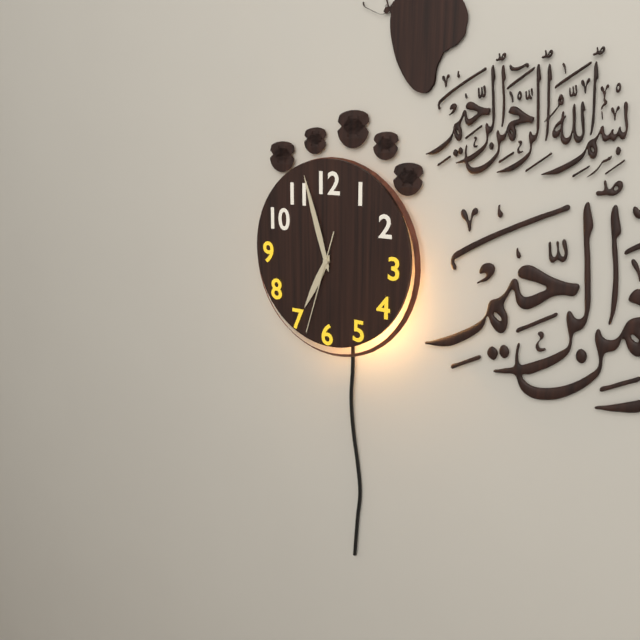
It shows 6:57:33
